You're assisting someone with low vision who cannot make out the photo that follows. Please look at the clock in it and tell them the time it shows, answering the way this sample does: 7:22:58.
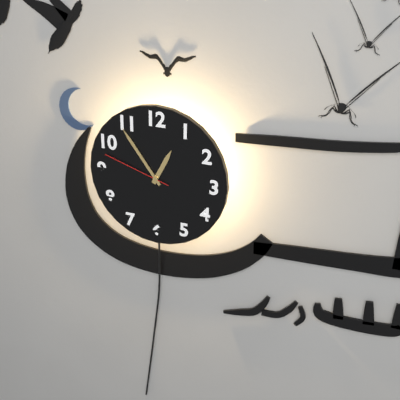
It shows 12:54:48
